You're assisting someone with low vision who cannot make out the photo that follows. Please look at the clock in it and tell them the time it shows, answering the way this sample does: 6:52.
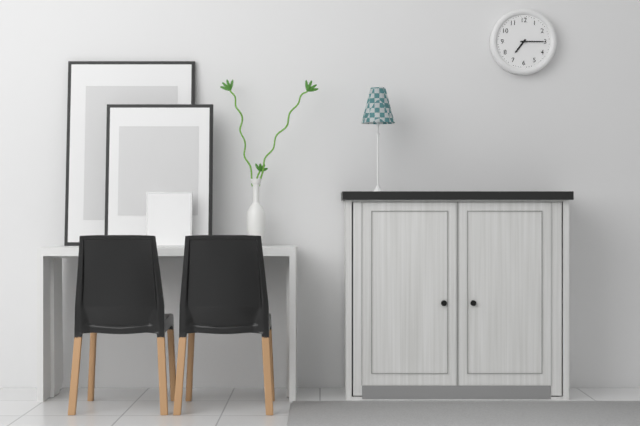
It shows 7:15
